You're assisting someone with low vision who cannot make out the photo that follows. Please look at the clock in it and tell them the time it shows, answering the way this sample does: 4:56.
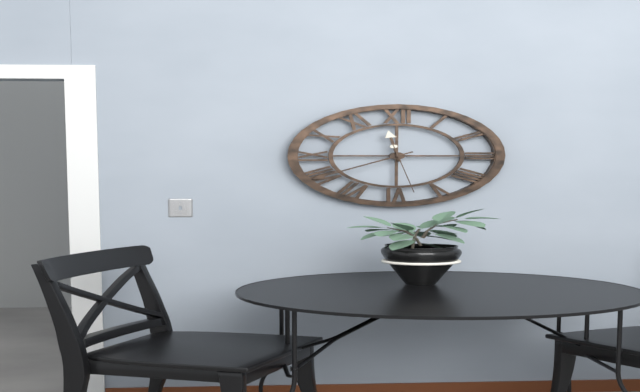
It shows 11:40
